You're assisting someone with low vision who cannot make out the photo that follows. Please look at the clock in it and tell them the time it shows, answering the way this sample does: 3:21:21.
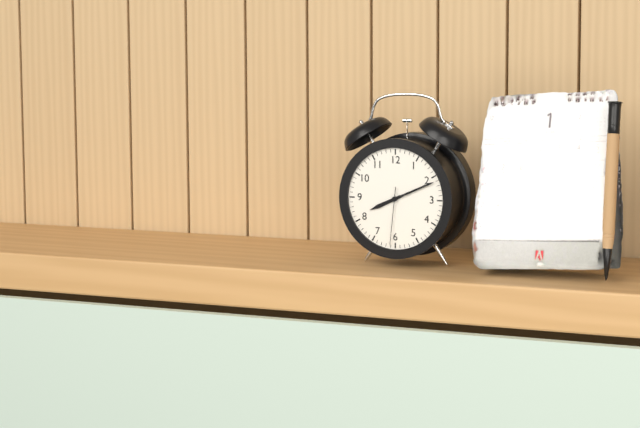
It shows 8:11:31
